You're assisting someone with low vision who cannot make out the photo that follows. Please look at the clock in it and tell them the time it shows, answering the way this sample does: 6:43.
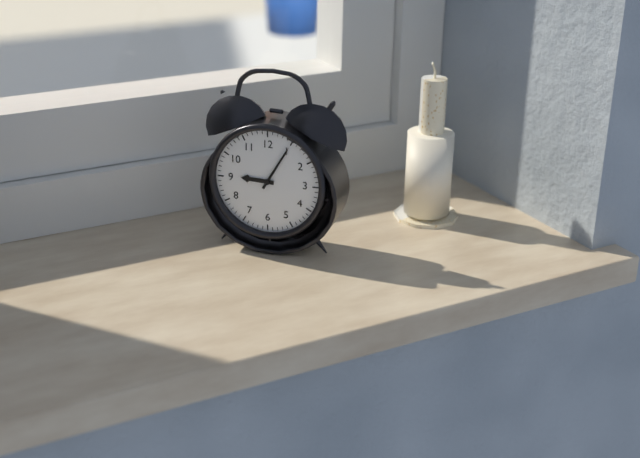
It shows 9:05
